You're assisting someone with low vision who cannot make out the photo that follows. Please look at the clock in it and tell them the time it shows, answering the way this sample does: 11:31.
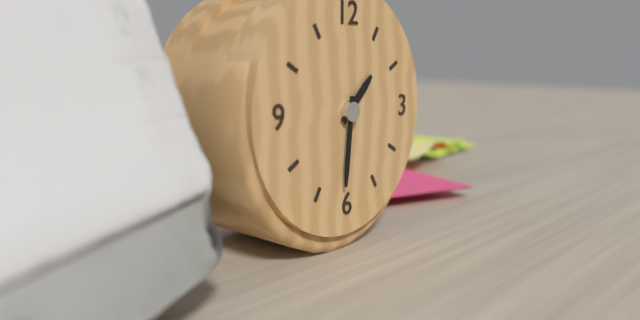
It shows 1:31
